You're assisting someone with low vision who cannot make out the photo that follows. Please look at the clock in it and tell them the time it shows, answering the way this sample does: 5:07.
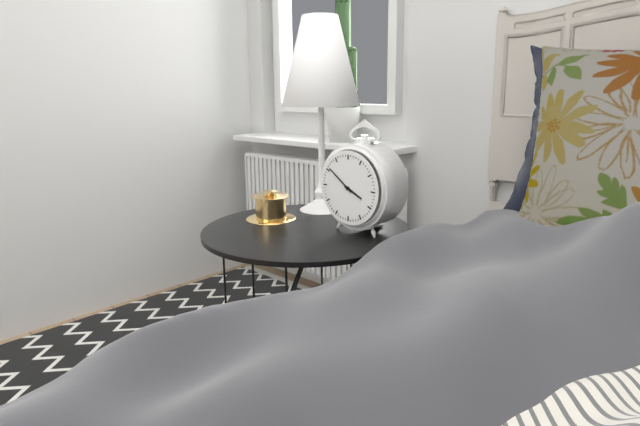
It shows 3:51
